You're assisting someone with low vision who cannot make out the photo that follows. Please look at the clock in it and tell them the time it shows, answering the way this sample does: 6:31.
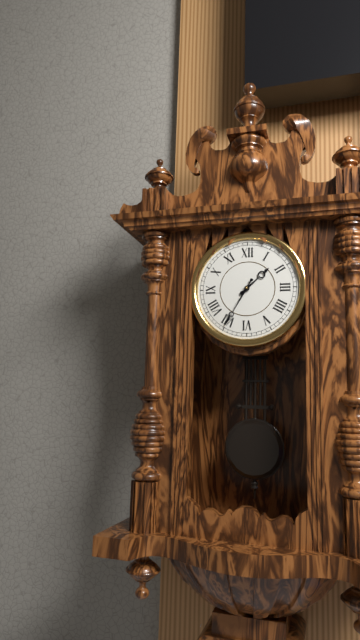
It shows 1:35
